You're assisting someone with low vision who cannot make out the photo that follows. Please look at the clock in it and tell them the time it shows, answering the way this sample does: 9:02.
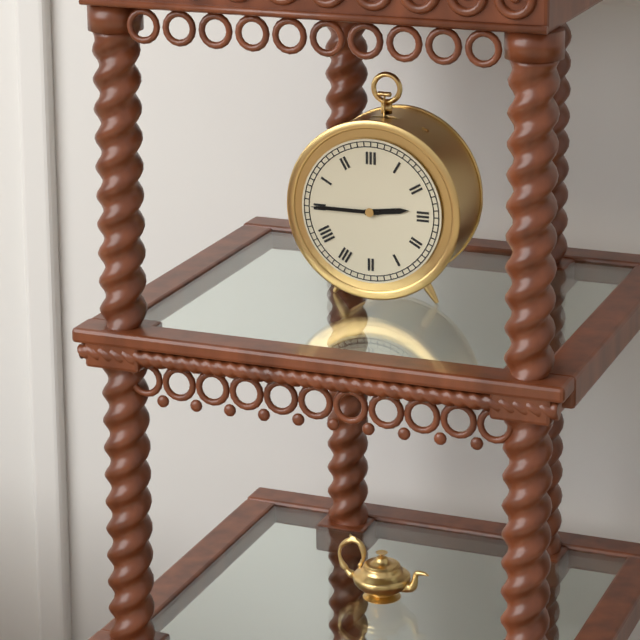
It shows 2:45
